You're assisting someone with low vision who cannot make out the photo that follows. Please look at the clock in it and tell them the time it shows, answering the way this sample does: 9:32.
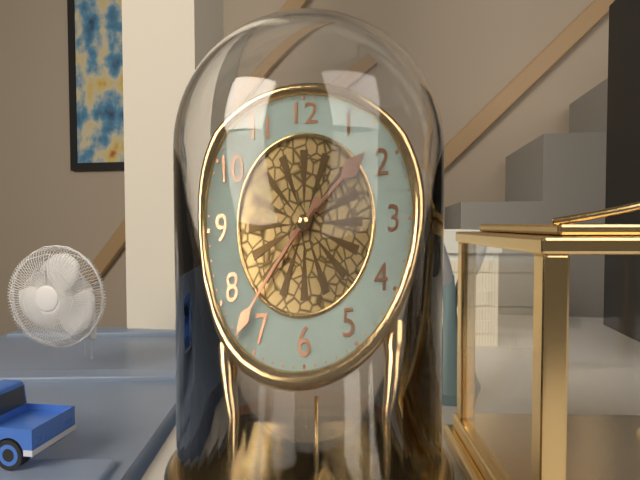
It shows 1:37
